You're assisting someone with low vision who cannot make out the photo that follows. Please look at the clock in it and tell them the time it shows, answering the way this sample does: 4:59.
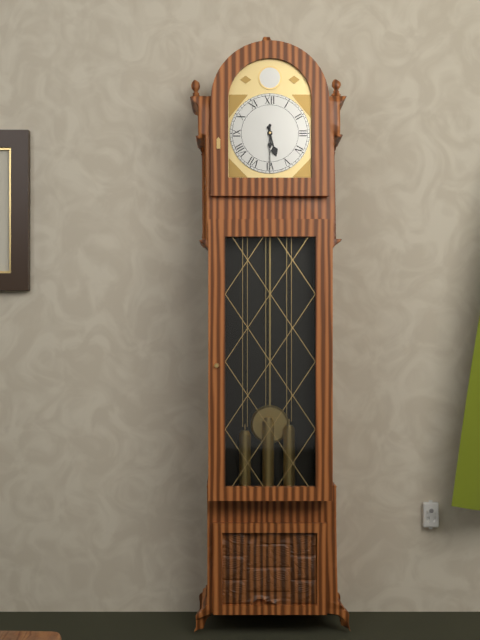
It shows 5:30
